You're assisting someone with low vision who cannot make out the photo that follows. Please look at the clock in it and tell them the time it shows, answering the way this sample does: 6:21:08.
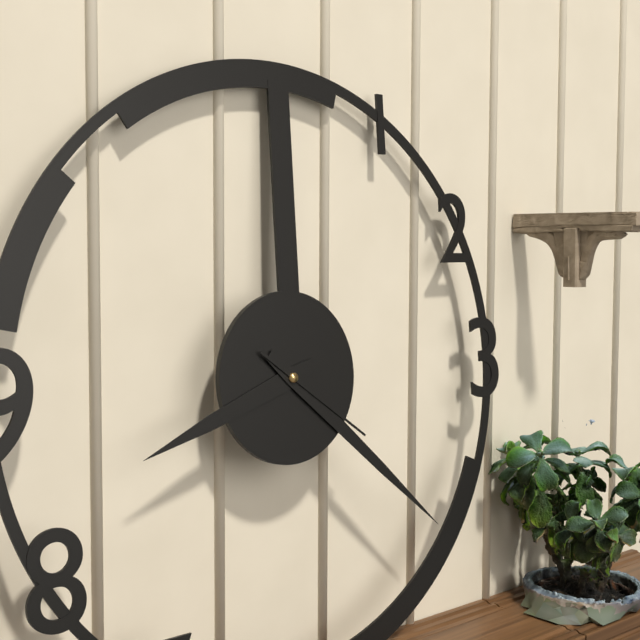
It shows 8:22:21
